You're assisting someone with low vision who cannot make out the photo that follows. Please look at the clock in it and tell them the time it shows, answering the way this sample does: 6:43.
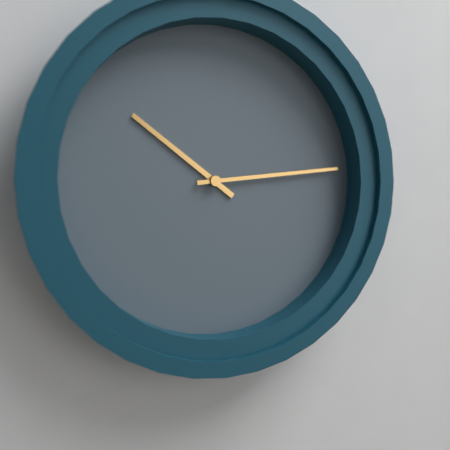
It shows 10:14
